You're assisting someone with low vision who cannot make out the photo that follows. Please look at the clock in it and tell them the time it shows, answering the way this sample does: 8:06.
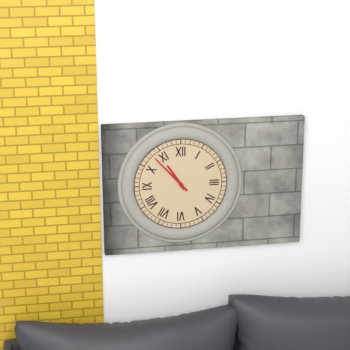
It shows 10:53
